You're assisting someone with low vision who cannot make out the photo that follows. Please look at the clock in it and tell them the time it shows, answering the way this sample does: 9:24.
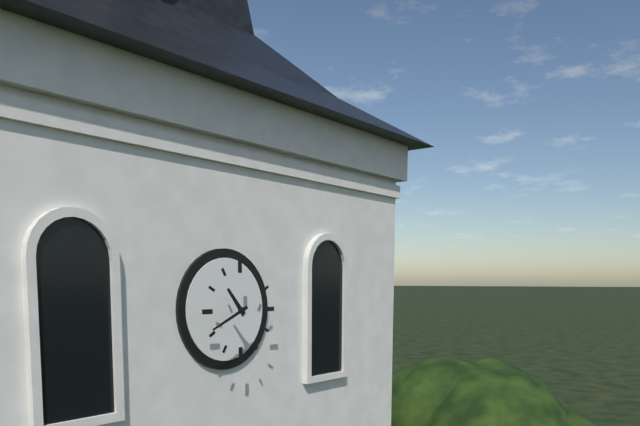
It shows 10:41
